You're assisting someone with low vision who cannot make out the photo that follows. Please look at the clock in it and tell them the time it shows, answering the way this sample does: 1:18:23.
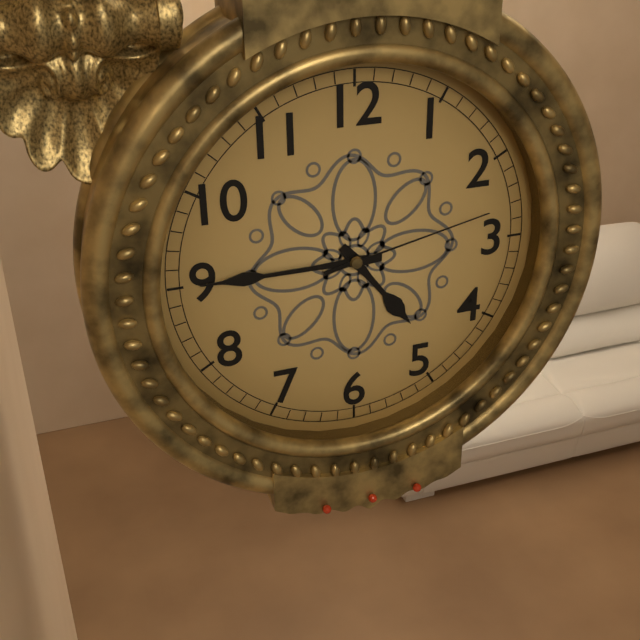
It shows 4:45:13
